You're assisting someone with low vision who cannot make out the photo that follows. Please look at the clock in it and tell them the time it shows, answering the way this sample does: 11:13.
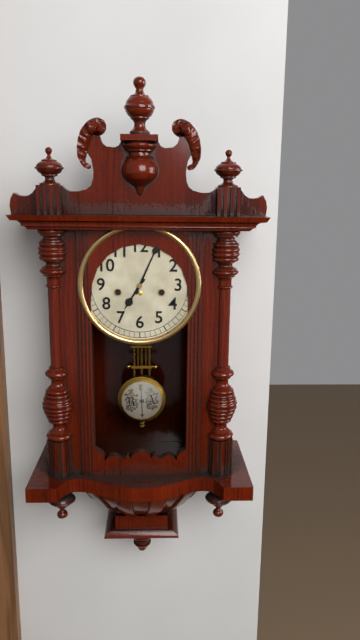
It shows 7:04
